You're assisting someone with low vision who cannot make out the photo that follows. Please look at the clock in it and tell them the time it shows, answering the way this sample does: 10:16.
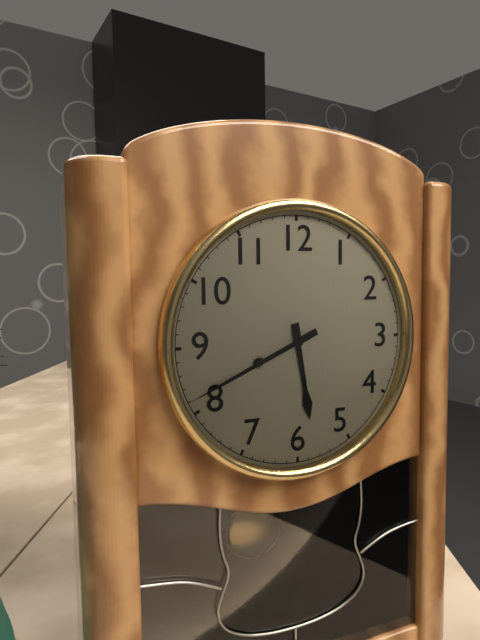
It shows 5:41
